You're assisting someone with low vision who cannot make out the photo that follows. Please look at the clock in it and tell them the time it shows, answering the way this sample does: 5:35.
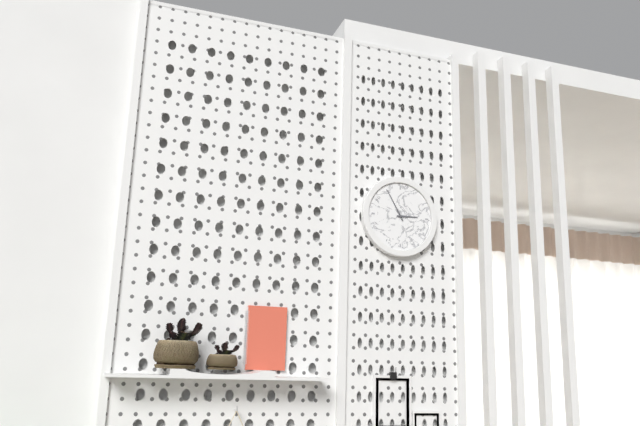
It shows 2:55
